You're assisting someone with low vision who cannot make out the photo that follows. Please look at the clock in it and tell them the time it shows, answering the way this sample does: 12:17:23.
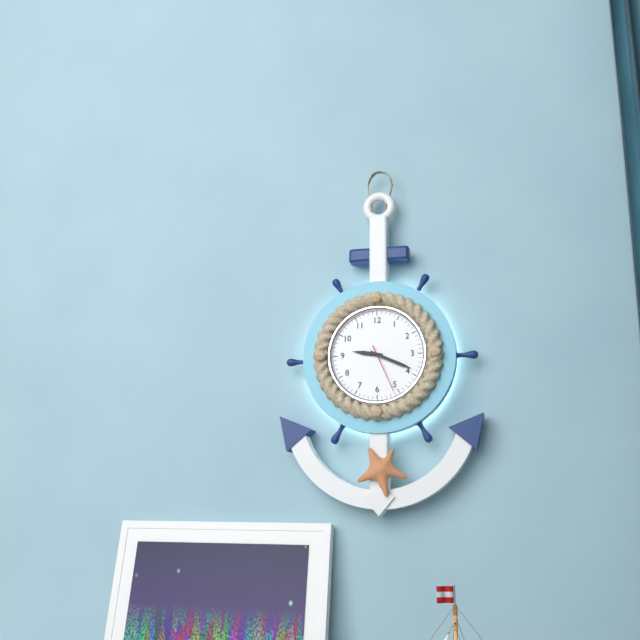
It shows 9:19:26
